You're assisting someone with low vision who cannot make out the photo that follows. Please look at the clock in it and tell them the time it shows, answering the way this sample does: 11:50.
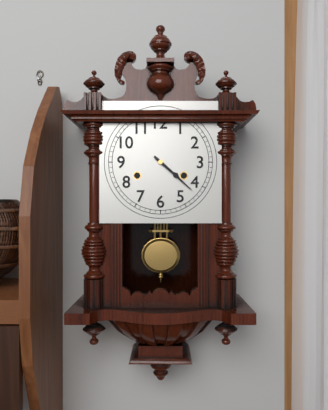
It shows 4:22
